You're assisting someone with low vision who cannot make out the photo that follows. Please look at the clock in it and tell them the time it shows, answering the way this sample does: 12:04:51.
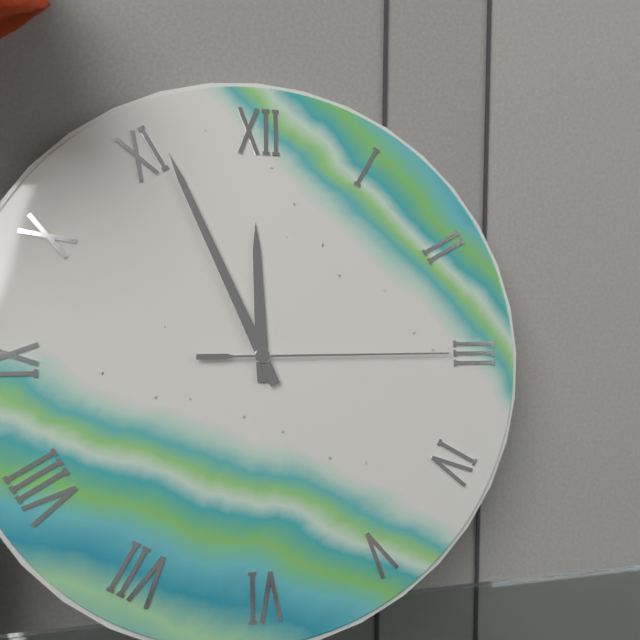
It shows 11:56:15
